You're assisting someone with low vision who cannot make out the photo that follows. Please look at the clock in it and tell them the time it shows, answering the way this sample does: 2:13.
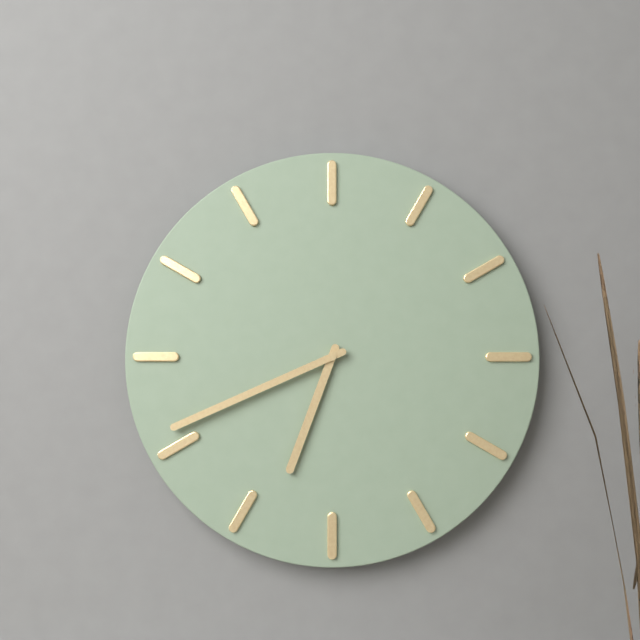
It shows 6:41
